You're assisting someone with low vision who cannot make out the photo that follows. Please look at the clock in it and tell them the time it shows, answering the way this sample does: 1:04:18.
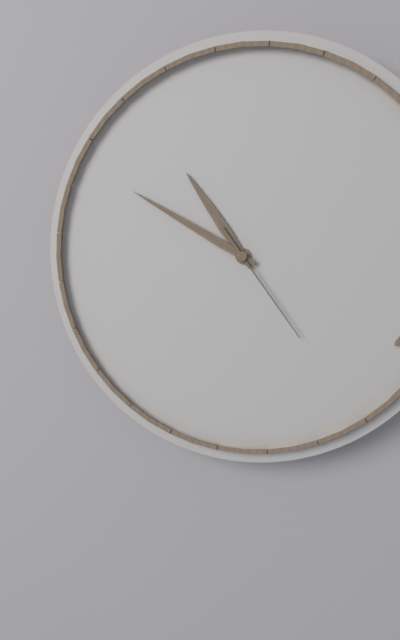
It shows 10:50:24
